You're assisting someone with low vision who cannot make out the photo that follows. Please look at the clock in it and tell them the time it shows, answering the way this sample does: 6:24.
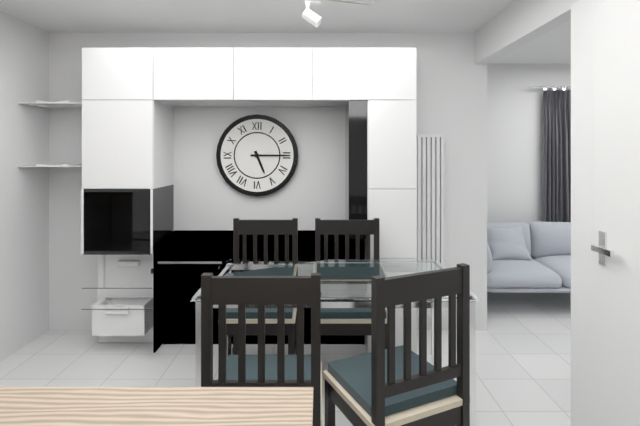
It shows 5:15
